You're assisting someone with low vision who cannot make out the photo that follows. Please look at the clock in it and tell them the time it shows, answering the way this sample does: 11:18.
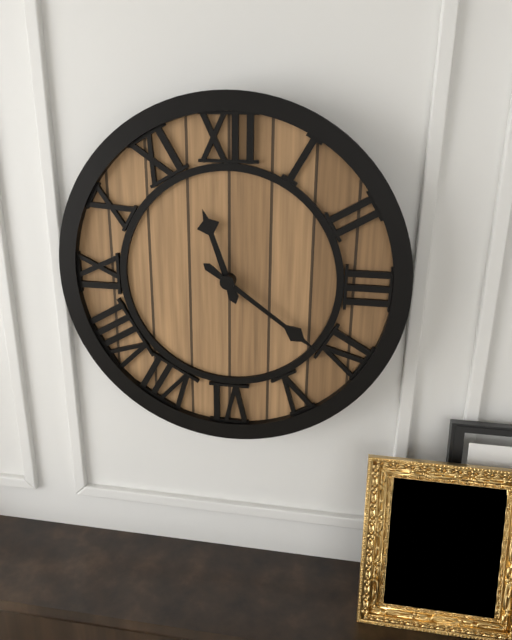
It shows 11:21
